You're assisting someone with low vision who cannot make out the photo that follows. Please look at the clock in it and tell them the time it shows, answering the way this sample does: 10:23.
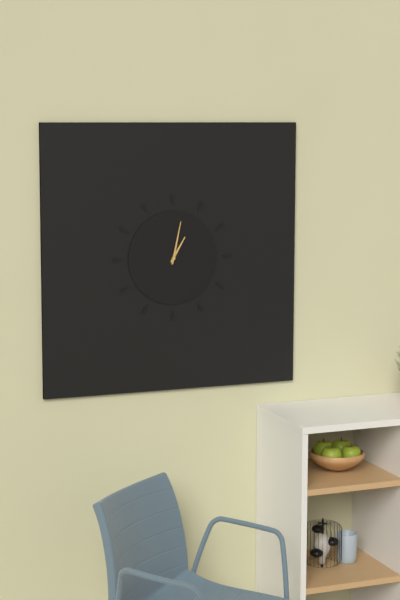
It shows 1:02
